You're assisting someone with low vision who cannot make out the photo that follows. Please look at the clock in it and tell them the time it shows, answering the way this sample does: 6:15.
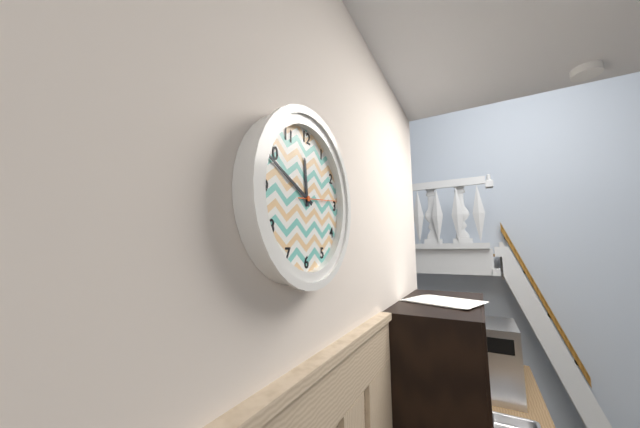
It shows 11:49
